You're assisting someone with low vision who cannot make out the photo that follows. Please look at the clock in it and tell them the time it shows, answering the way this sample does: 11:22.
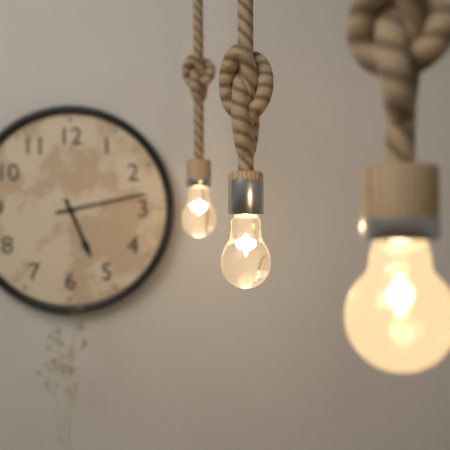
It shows 5:13
